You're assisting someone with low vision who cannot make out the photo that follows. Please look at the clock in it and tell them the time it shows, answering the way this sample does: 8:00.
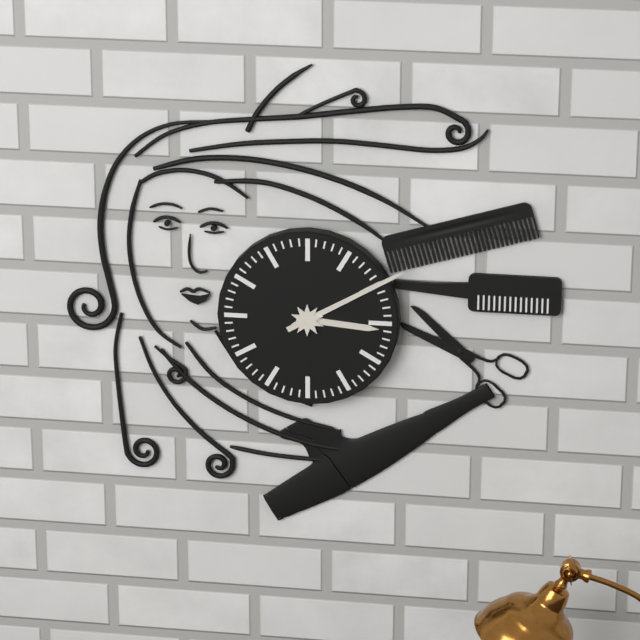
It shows 3:10
